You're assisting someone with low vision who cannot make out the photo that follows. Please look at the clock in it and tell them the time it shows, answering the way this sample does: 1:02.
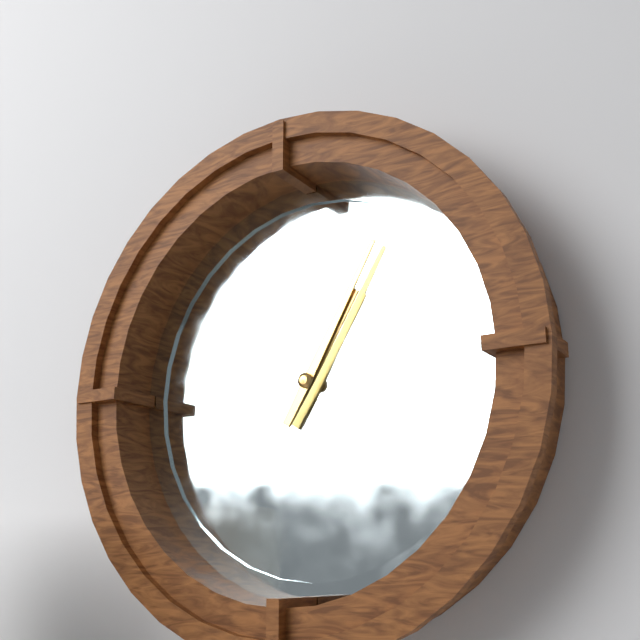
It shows 1:05
